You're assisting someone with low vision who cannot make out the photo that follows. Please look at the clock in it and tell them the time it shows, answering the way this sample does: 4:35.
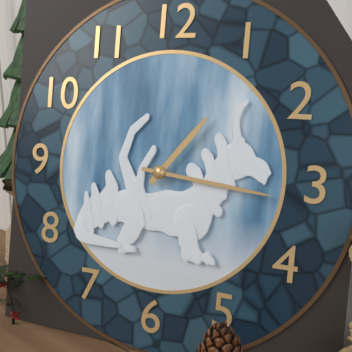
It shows 1:16
